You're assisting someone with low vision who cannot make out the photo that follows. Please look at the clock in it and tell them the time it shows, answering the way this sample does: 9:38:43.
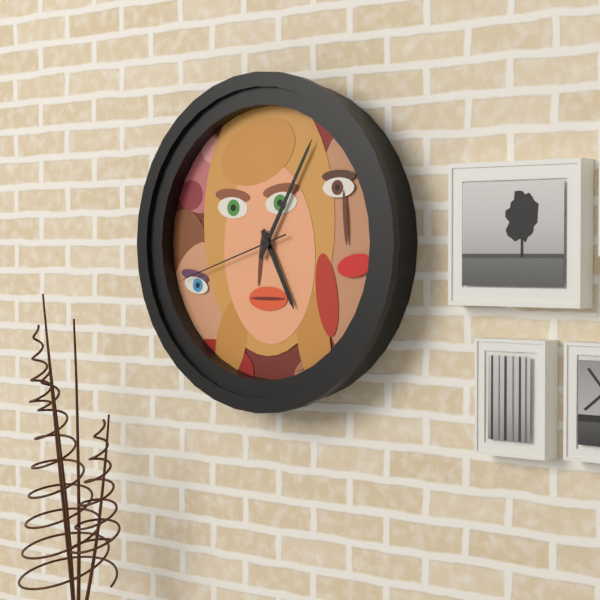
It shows 5:05:42
